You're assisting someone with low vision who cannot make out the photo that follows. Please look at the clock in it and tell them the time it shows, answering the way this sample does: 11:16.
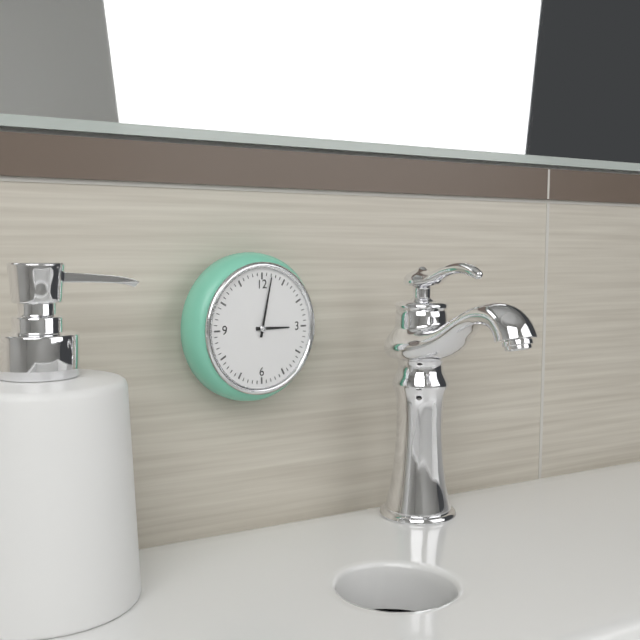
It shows 3:02
